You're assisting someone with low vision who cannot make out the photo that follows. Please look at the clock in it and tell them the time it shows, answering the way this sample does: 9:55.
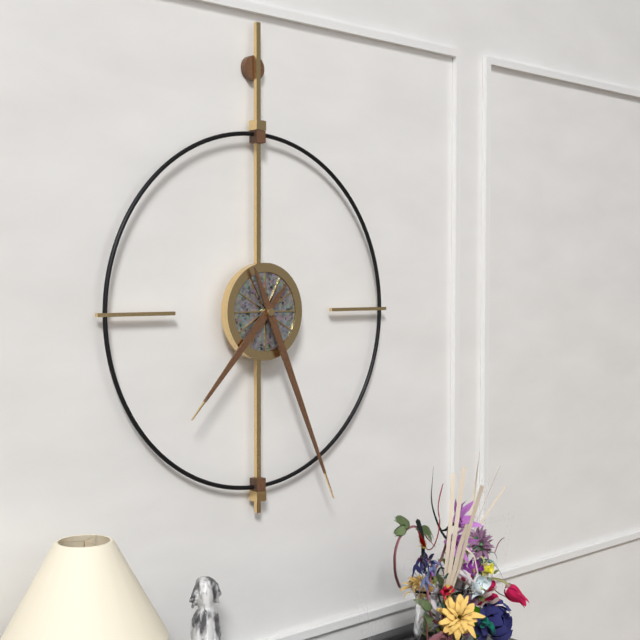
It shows 7:26
